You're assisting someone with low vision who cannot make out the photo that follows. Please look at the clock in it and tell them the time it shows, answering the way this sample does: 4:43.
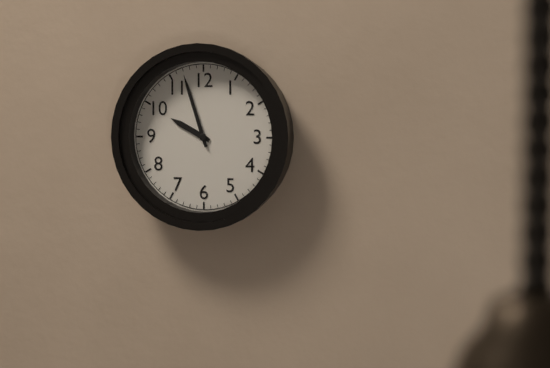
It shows 9:57
